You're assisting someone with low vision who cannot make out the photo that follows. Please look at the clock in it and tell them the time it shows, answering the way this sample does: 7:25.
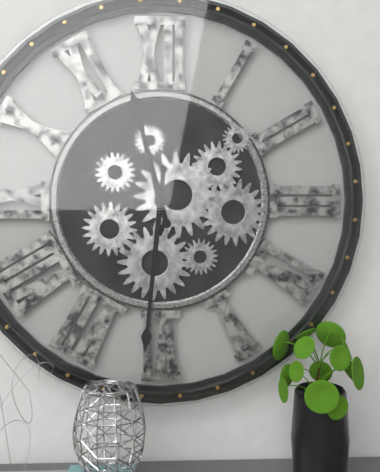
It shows 11:31
